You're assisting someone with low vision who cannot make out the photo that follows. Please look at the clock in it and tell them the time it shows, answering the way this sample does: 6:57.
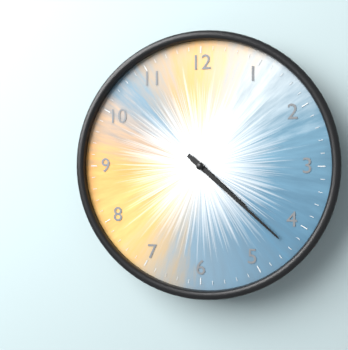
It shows 4:22
